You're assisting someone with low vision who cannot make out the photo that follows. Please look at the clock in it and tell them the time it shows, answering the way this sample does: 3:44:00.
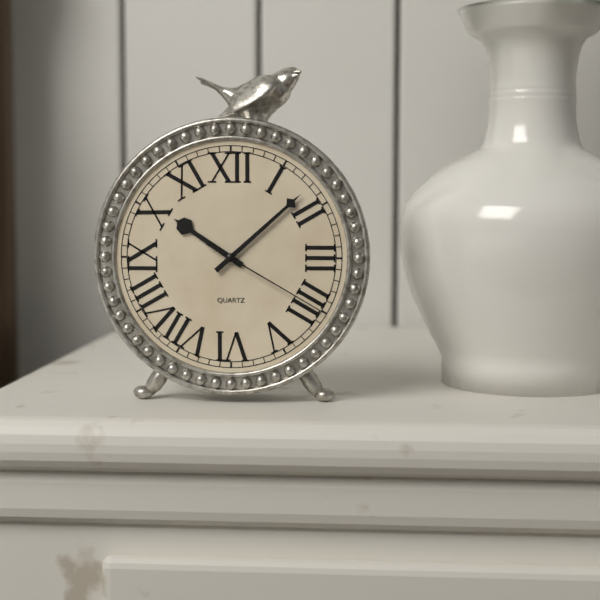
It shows 10:08:20
